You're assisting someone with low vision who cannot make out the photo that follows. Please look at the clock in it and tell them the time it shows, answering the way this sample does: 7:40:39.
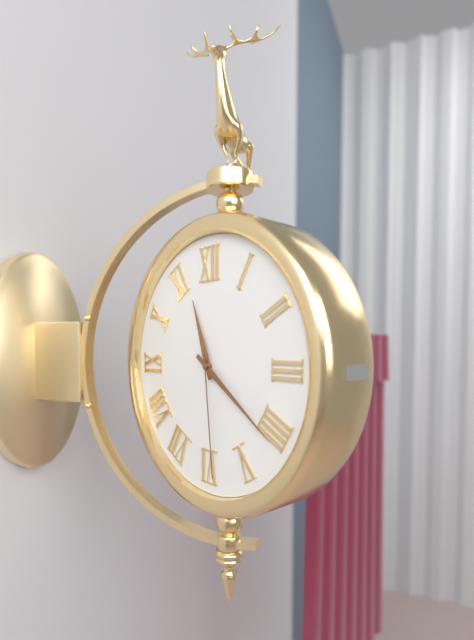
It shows 11:21:29
